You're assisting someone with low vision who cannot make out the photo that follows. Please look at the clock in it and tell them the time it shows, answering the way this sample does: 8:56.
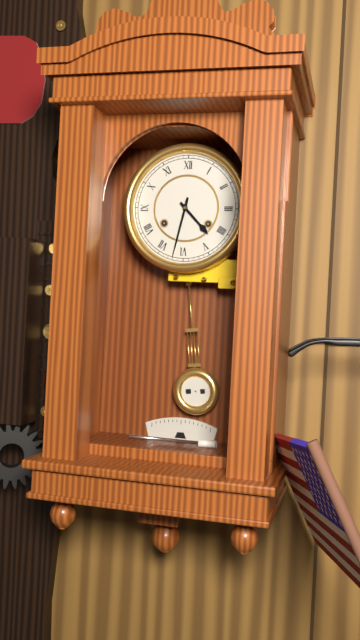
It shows 4:32
